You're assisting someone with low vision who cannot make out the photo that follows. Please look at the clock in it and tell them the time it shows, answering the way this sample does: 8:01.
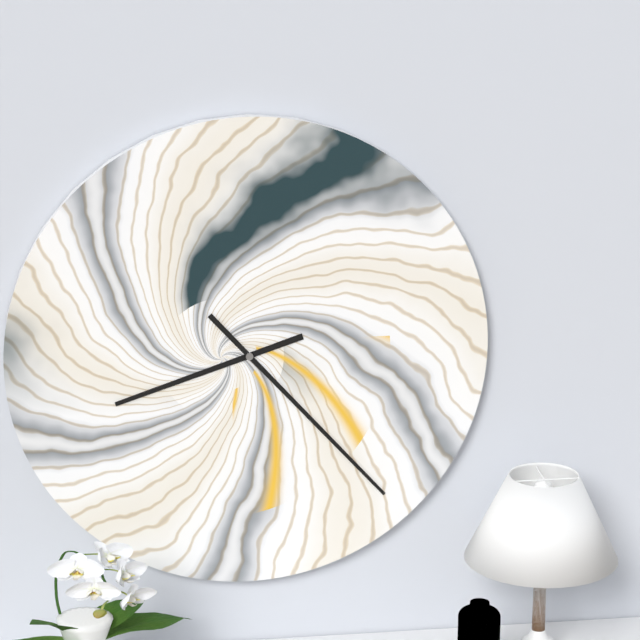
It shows 8:23
